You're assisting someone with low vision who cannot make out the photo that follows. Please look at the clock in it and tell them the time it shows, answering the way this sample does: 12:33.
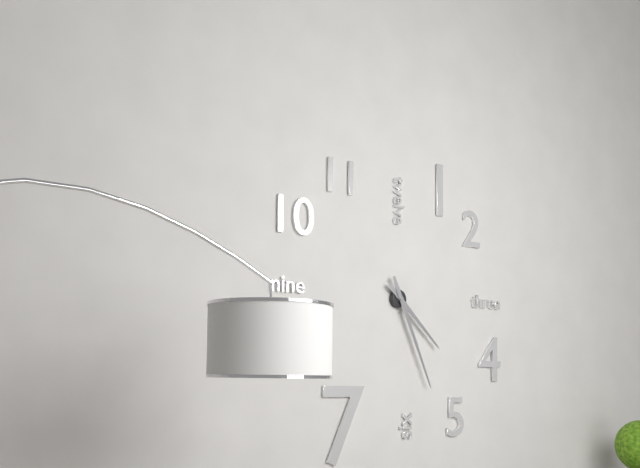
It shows 4:26
